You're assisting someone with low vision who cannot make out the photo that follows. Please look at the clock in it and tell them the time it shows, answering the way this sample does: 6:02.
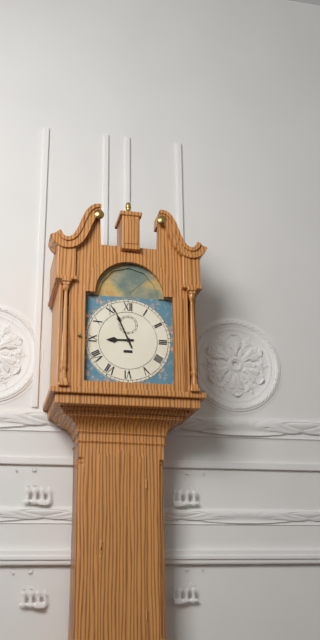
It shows 8:56
